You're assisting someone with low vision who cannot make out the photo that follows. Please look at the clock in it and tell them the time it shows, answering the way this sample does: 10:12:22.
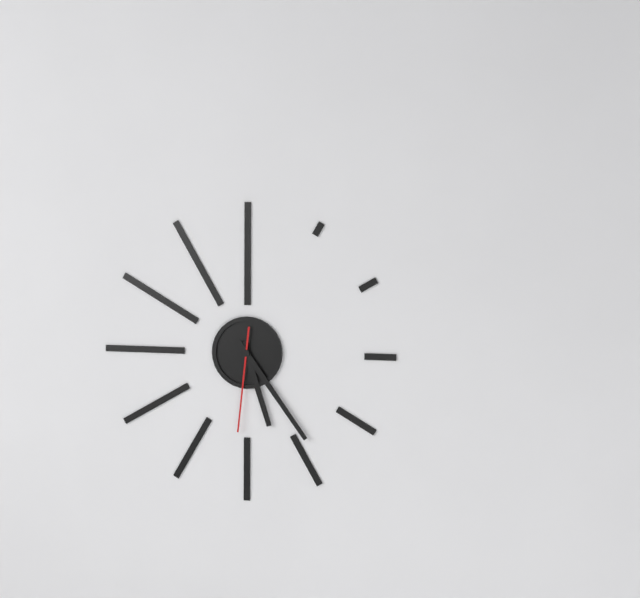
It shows 5:24:31
